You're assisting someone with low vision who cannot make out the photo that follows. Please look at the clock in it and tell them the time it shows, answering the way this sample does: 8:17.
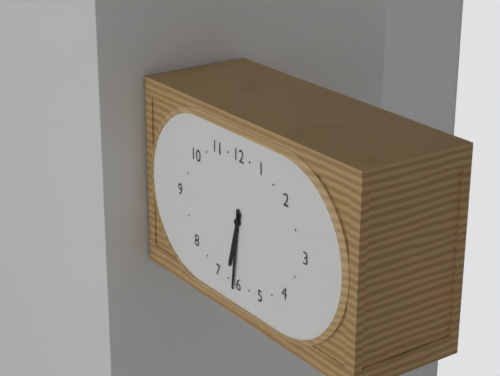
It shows 6:31
